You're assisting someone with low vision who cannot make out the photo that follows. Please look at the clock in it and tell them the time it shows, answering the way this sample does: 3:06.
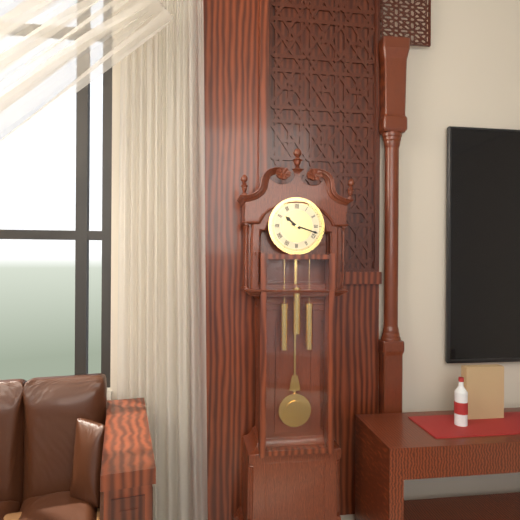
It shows 10:18
